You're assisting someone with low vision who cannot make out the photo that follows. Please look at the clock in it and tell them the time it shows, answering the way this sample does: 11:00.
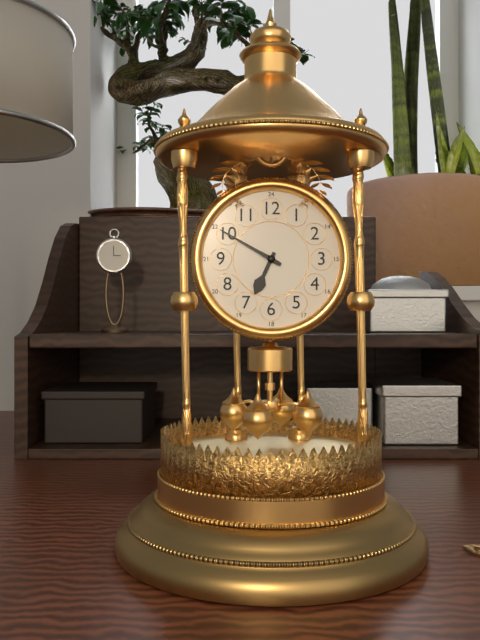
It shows 6:50
